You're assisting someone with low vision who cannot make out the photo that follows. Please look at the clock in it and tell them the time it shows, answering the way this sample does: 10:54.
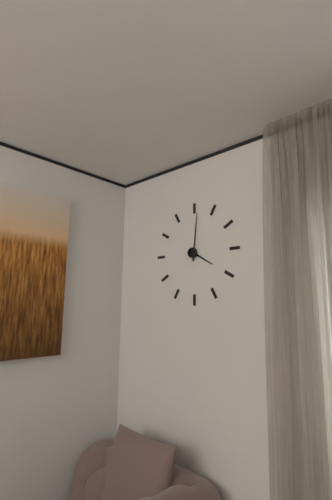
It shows 4:01
